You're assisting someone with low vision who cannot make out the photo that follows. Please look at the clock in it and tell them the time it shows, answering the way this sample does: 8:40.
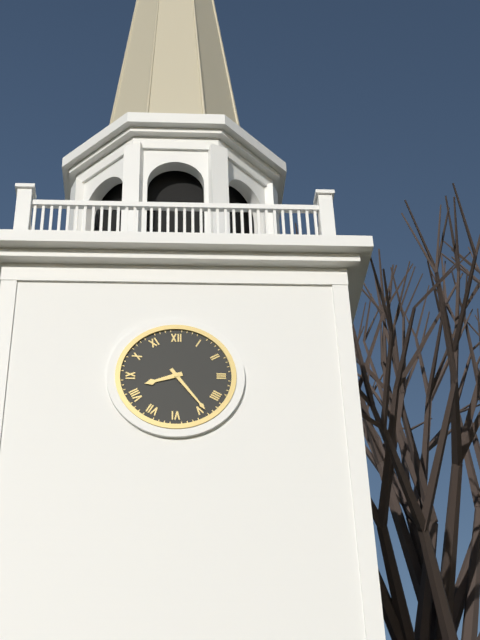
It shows 8:24
